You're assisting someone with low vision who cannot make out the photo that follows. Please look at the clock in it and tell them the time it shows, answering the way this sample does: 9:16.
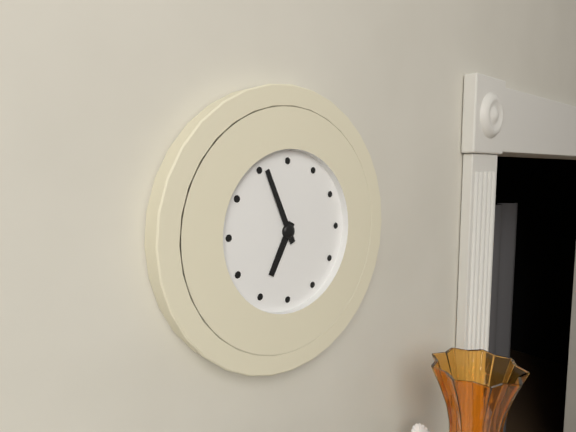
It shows 6:56
